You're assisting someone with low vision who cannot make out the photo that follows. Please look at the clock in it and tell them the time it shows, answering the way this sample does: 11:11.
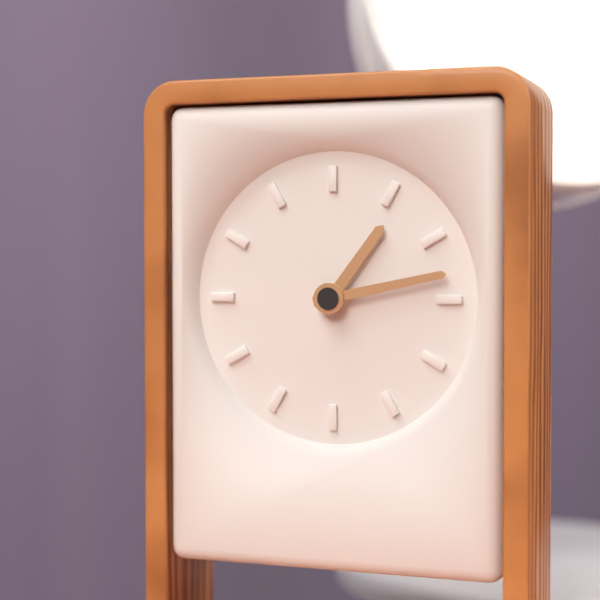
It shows 1:13
